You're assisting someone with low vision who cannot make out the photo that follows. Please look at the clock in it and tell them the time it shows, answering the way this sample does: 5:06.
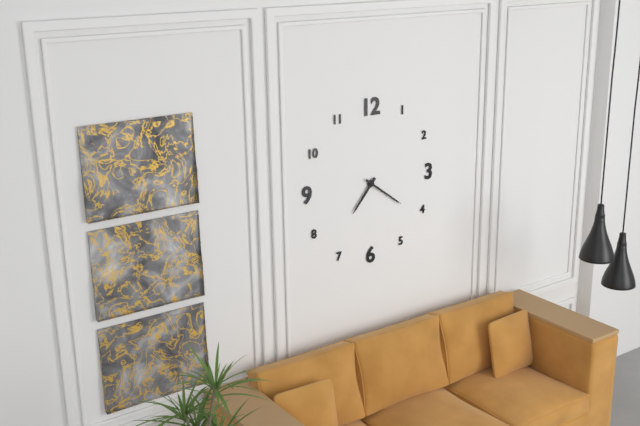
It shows 7:21
